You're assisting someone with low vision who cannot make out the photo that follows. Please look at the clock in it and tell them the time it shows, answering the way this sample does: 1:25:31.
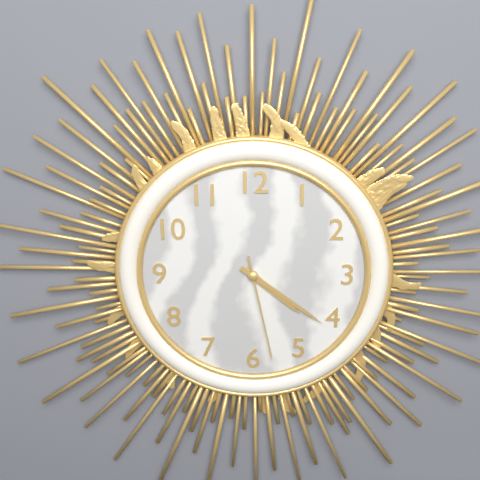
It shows 4:21:28
